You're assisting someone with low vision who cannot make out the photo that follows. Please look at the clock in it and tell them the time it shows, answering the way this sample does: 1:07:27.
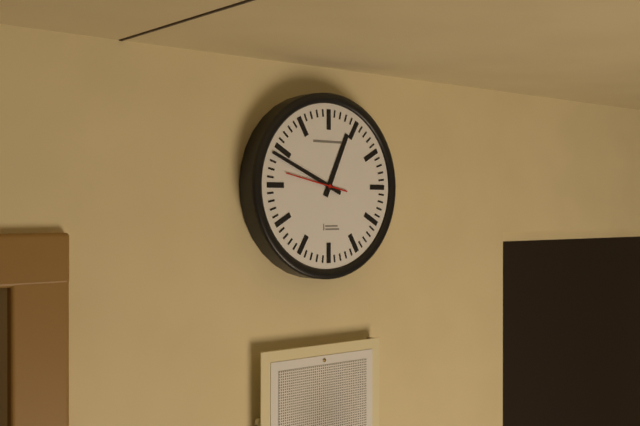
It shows 12:49:47
